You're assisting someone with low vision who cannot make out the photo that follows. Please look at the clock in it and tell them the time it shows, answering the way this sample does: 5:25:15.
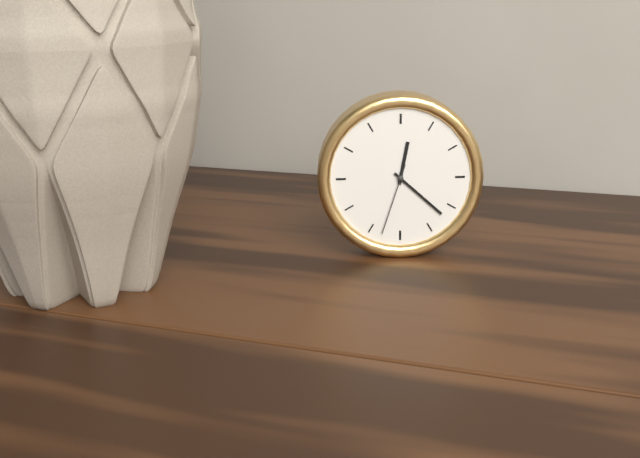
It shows 12:22:33
